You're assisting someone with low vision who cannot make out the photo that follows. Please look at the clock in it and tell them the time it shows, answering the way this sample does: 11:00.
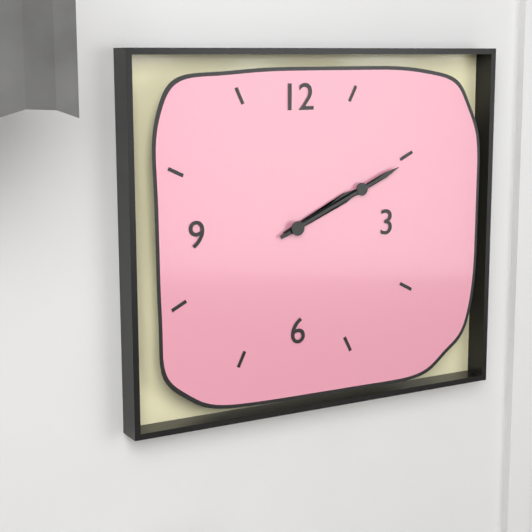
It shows 2:11
